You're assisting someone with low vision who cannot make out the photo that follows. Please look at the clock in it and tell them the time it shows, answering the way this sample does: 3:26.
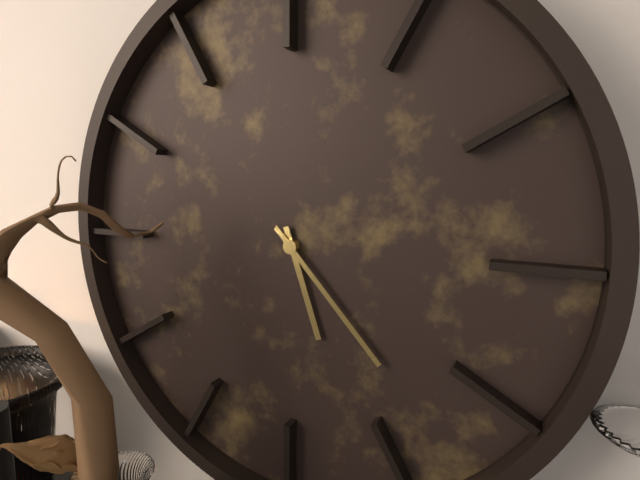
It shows 5:23
